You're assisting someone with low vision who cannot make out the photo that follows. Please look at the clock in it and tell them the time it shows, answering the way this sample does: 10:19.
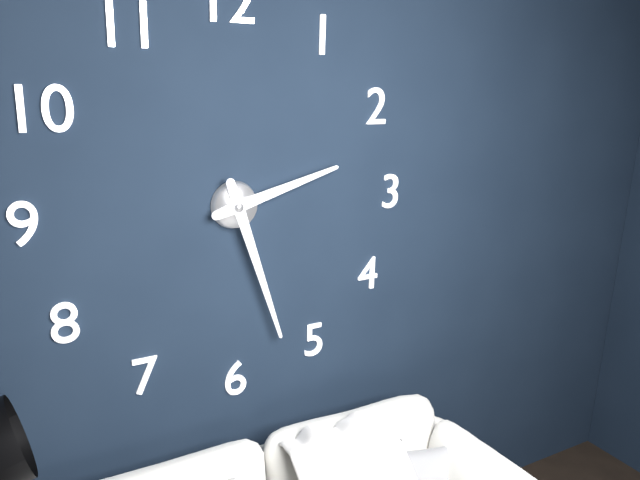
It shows 2:27
